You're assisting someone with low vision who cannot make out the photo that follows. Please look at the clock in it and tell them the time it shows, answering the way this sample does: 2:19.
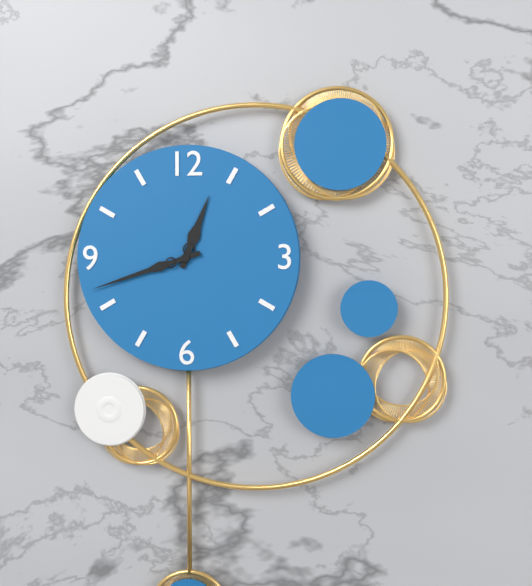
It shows 12:42
